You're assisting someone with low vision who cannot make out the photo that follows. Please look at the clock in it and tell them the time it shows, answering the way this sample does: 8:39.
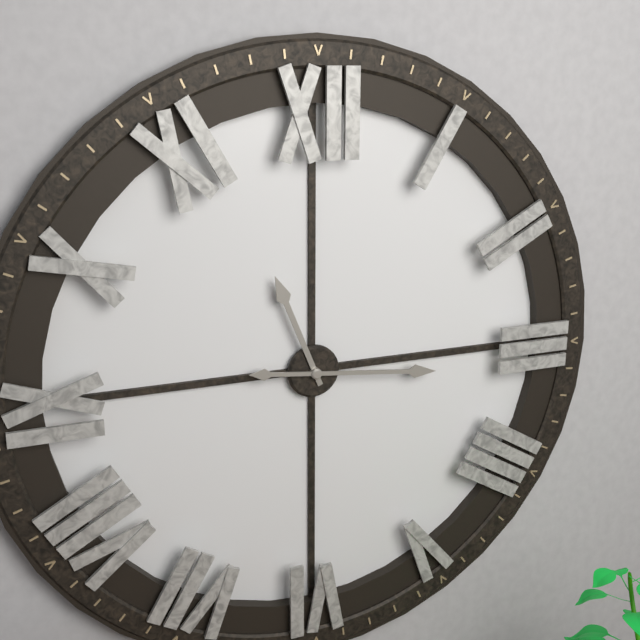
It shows 11:16
